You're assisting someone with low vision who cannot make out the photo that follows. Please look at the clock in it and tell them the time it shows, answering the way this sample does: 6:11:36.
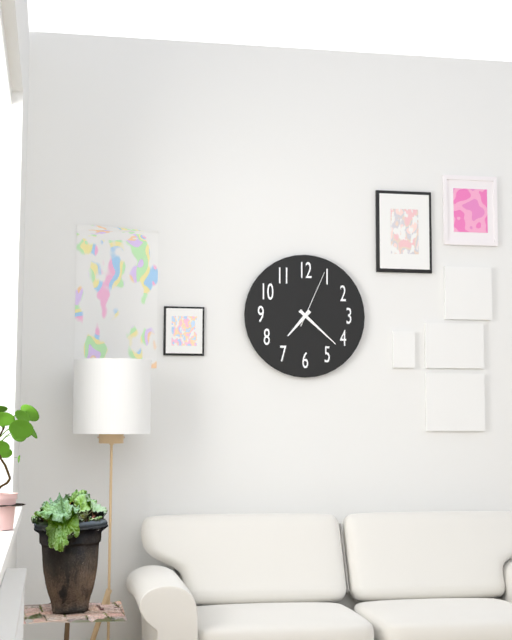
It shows 7:22:04
